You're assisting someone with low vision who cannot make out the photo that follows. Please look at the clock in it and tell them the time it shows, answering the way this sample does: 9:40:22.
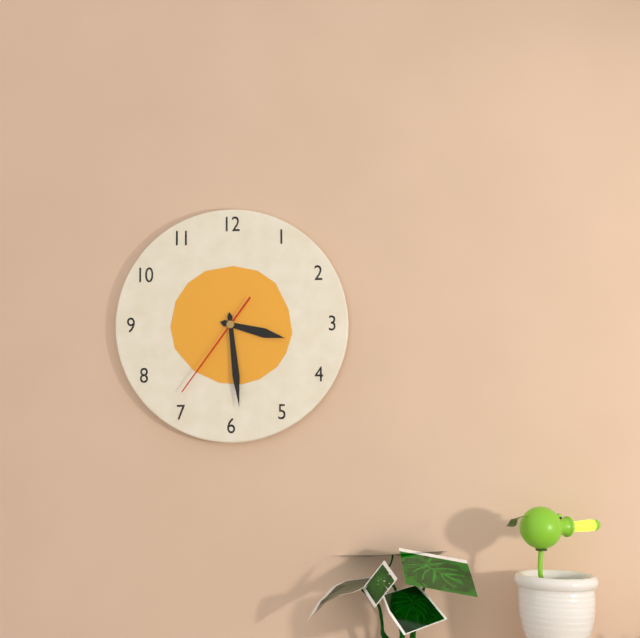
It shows 3:29:36
